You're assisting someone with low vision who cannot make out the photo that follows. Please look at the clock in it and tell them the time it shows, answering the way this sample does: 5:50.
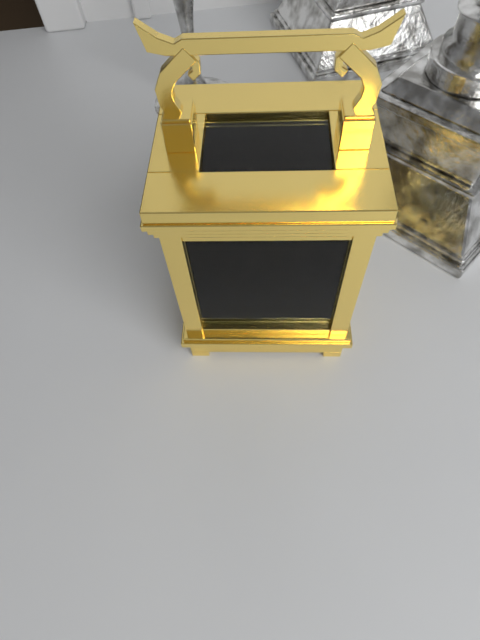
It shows 8:09
